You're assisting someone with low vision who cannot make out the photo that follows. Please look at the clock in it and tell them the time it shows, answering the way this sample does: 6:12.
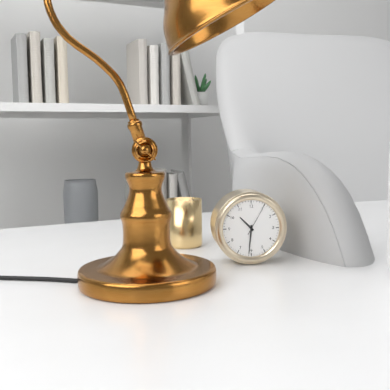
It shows 10:31
